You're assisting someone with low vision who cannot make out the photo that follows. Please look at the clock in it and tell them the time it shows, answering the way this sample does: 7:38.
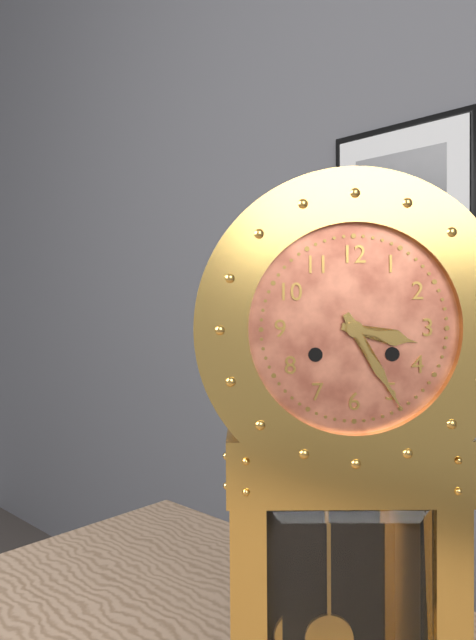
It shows 3:25
